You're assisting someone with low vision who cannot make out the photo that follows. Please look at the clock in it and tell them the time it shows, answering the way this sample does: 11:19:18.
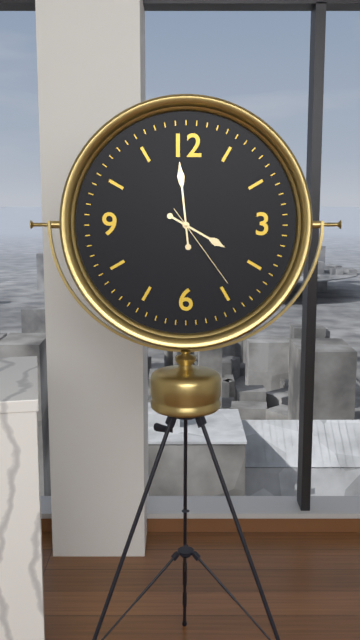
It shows 3:59:24
